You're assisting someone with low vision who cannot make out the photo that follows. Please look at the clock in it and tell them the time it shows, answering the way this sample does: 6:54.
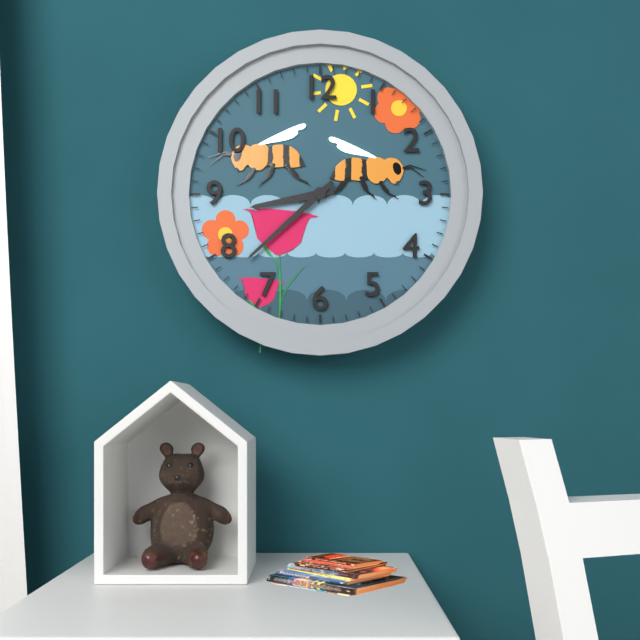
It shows 8:38
